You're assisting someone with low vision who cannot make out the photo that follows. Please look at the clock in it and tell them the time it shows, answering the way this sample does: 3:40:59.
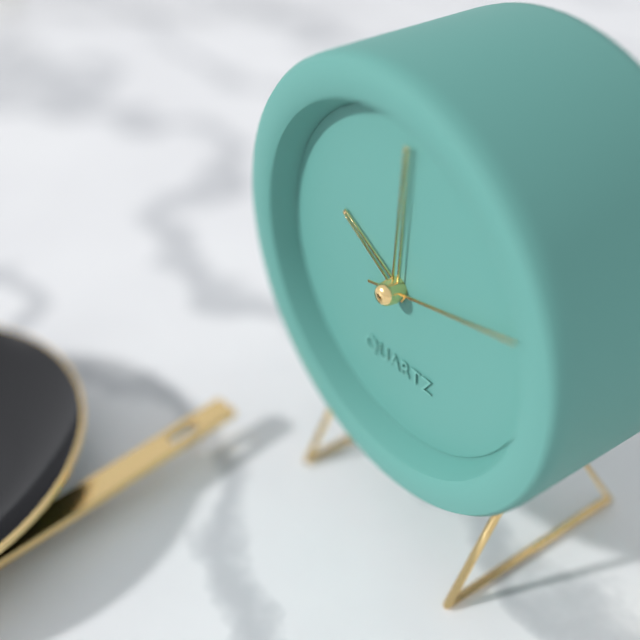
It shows 10:01:13
